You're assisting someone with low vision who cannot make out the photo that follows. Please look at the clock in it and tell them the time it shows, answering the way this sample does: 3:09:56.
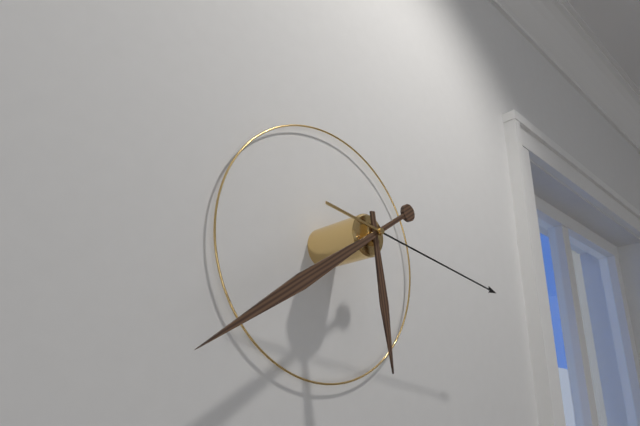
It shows 5:39:16
